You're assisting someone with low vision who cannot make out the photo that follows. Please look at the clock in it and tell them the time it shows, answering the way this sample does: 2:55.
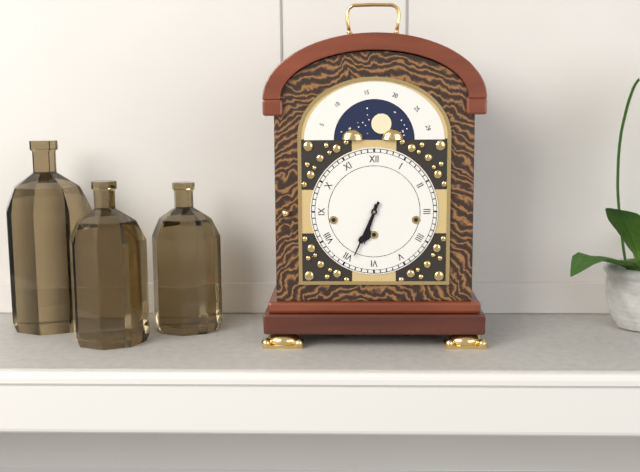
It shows 6:34
